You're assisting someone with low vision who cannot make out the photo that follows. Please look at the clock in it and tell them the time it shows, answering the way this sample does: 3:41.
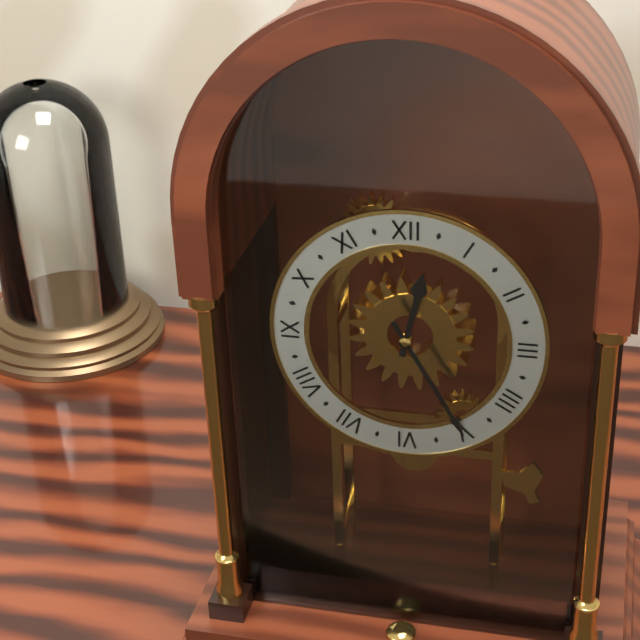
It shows 12:25
